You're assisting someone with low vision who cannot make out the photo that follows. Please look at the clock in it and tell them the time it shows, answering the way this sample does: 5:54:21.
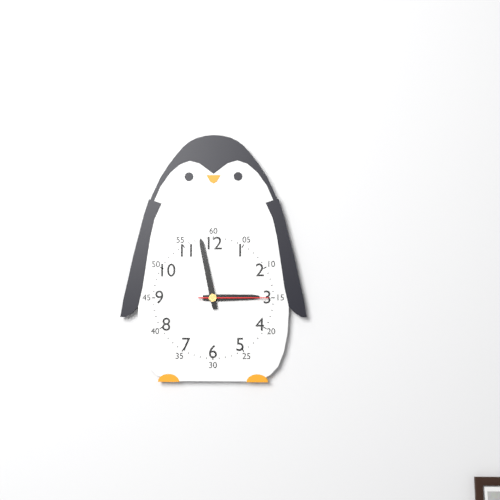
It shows 2:58:15
